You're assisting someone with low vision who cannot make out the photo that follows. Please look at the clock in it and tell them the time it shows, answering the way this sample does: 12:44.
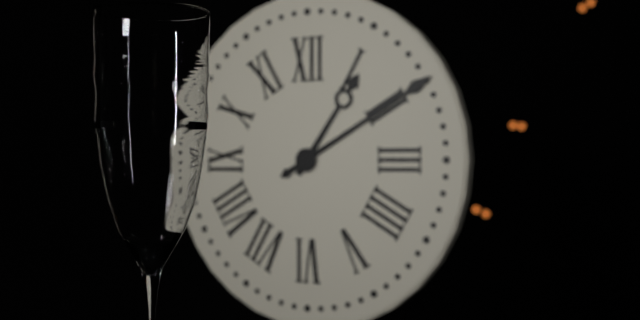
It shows 1:10
